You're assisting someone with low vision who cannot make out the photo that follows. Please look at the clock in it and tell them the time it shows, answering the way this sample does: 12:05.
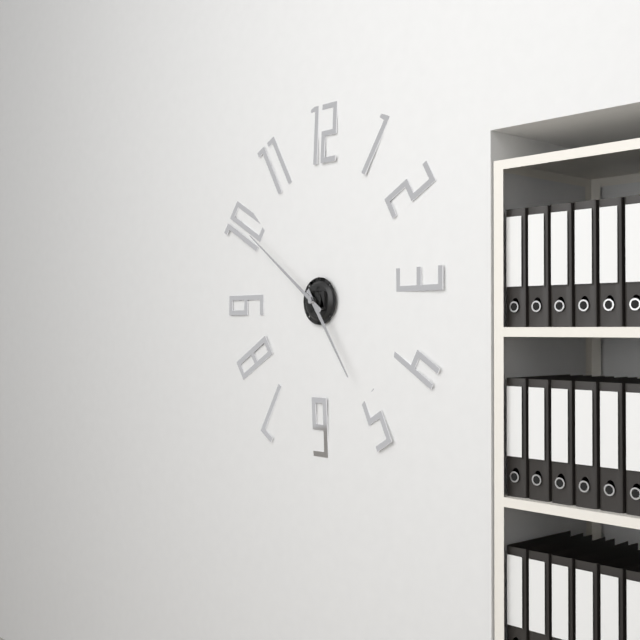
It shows 4:51
